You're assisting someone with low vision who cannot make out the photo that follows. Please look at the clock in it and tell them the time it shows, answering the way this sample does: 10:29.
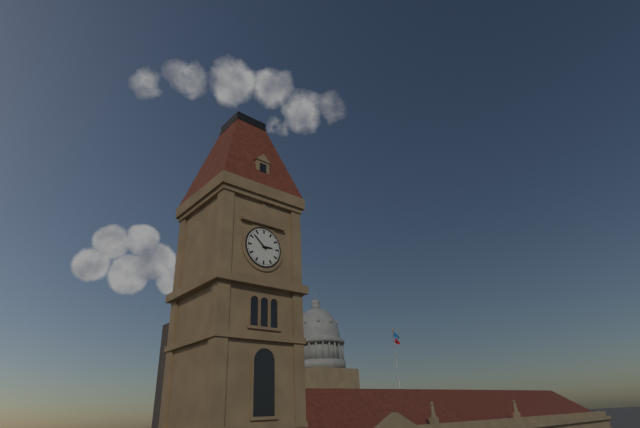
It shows 2:52
